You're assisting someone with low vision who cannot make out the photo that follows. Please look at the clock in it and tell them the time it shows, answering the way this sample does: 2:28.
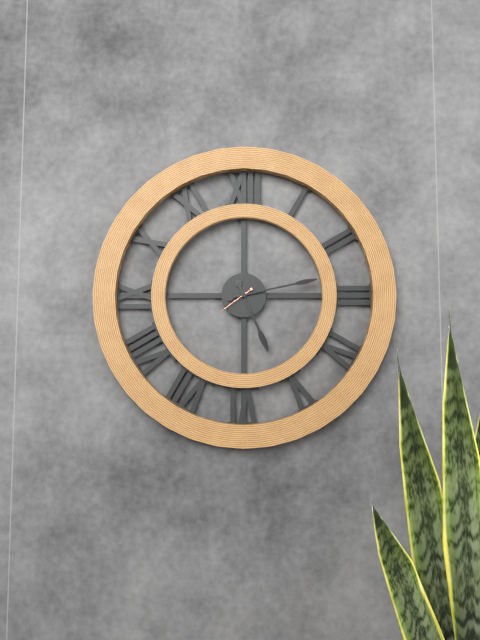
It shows 5:13
